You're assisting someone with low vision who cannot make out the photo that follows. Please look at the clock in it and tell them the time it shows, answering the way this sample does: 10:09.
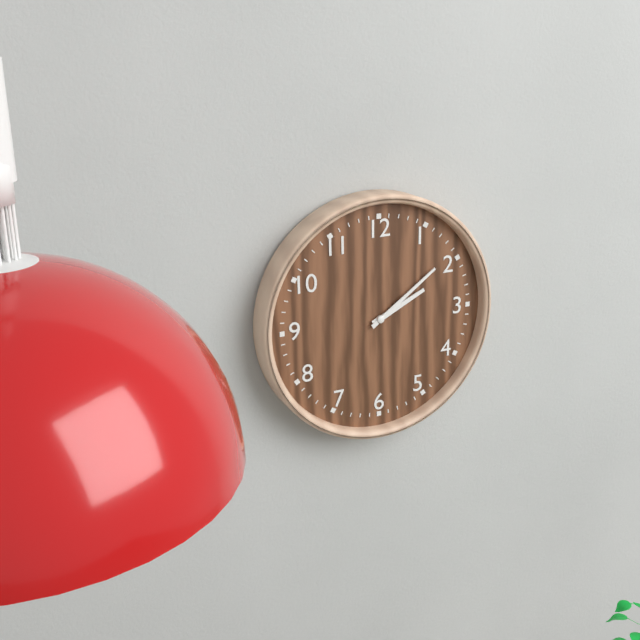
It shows 2:09
